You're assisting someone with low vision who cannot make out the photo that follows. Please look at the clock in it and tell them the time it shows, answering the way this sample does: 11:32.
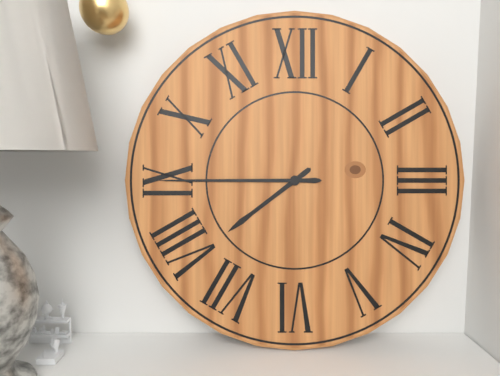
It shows 7:45
